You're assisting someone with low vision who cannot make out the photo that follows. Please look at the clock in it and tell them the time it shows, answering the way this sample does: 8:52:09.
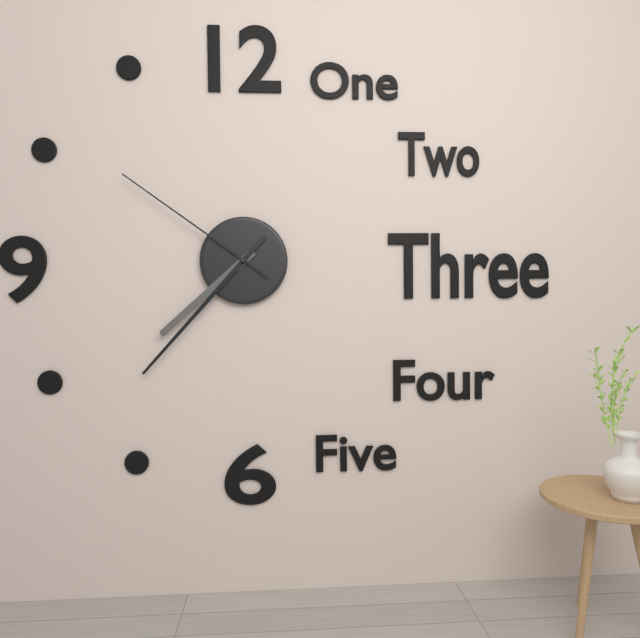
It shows 7:37:51
